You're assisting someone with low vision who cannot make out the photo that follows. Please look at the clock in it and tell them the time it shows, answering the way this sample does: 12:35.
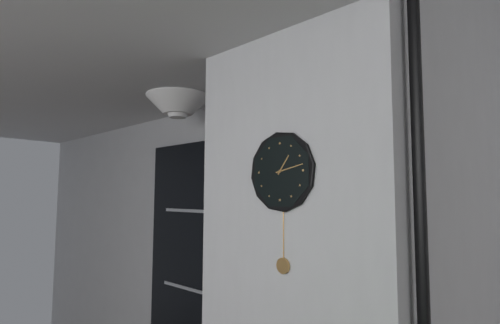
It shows 1:13
